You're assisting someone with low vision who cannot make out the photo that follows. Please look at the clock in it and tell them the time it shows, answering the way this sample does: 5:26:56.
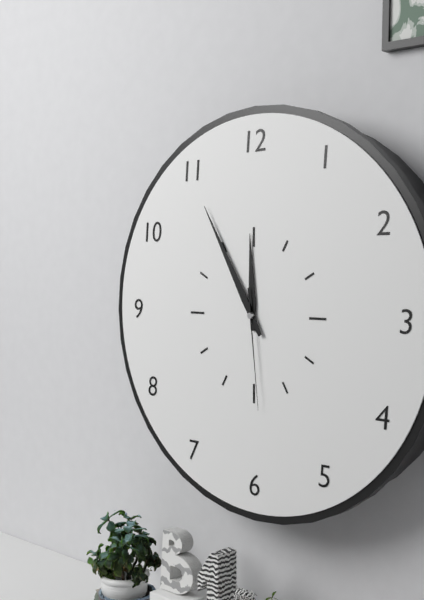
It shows 11:55:29
